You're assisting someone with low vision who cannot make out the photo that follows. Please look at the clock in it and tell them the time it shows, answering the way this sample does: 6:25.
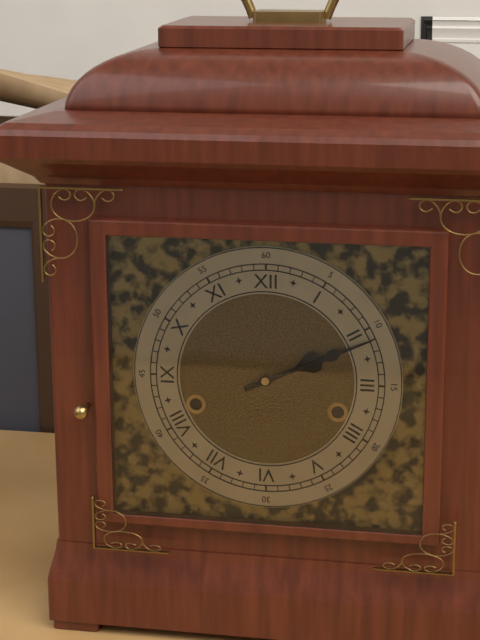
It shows 2:11
